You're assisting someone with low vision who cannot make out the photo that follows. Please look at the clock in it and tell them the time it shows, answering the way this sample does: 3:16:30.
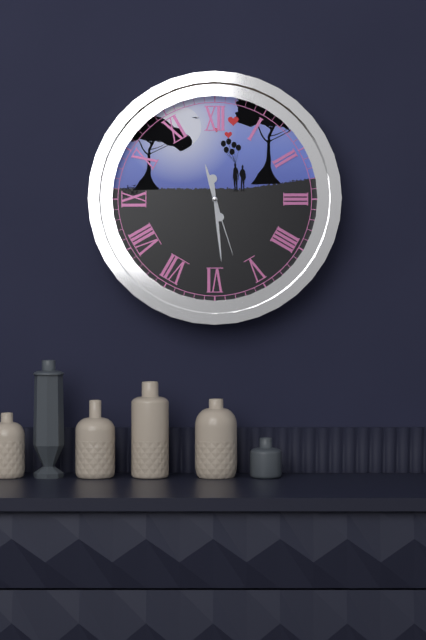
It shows 11:29:27
